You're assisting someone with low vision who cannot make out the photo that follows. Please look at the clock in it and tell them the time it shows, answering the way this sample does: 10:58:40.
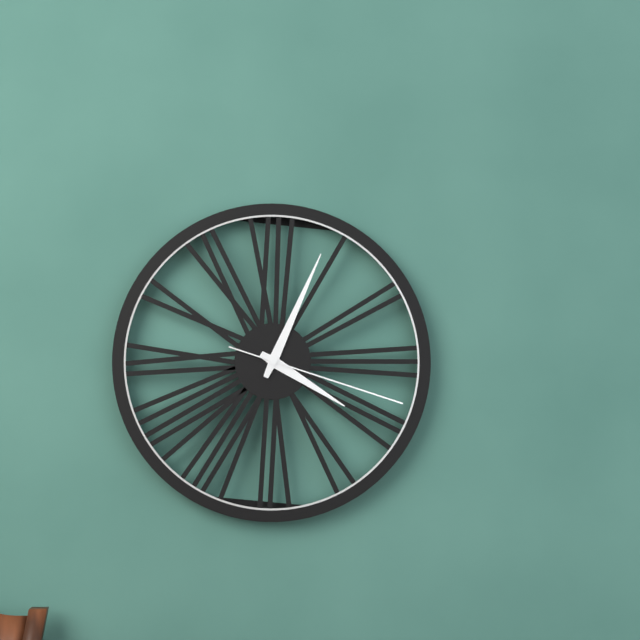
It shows 4:04:18
